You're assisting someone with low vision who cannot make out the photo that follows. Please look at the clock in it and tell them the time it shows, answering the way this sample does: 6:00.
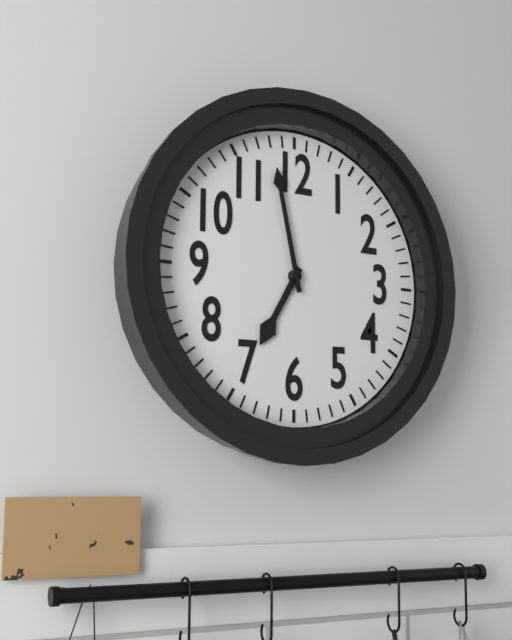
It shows 6:58
